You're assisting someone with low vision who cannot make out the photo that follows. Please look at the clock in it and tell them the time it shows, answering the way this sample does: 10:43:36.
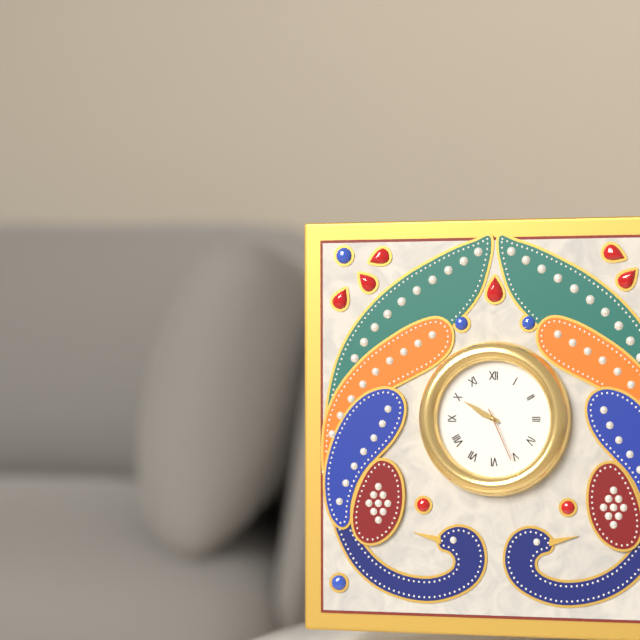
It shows 9:50:26
